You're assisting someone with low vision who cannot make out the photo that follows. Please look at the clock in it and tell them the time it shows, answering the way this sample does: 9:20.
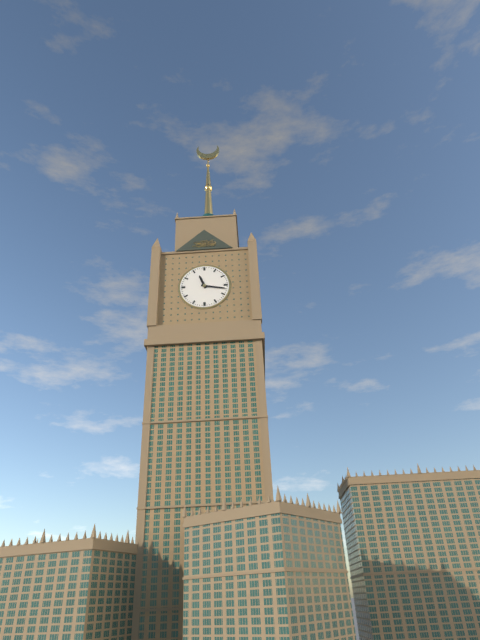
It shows 11:17
